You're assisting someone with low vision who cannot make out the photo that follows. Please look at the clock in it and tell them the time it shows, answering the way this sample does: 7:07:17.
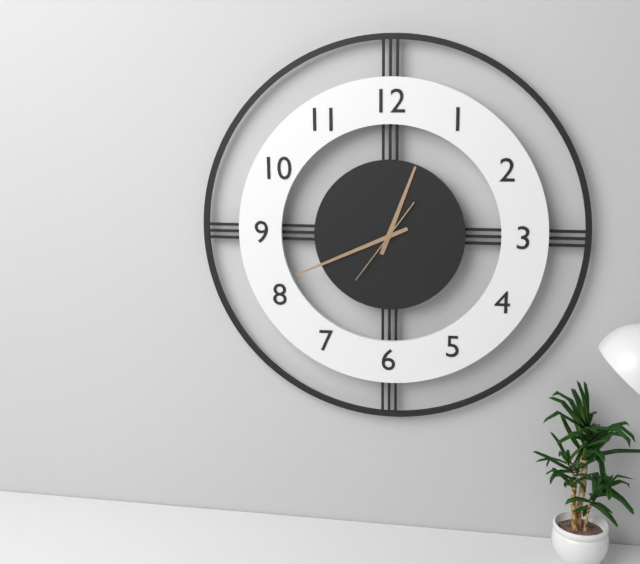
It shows 12:41:36
